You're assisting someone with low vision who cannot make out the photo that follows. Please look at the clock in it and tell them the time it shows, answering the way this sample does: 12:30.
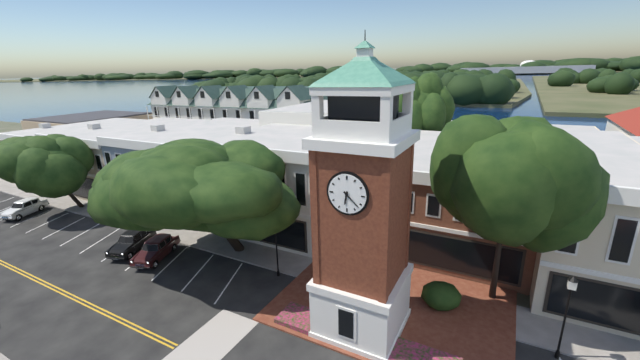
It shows 6:22
